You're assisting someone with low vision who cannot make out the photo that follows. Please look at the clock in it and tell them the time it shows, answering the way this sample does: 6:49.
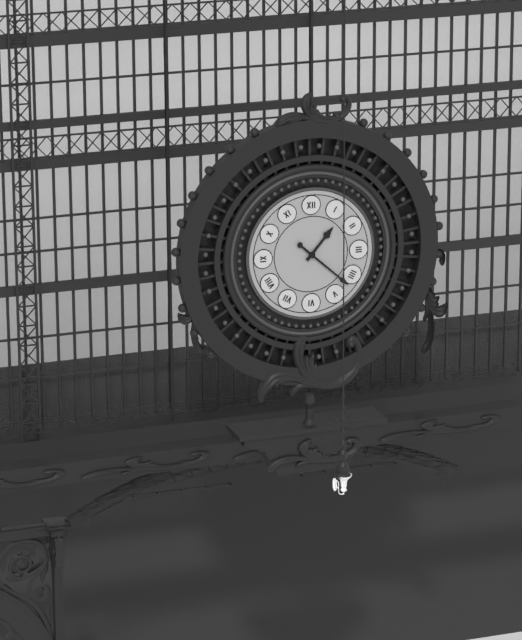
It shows 1:22
